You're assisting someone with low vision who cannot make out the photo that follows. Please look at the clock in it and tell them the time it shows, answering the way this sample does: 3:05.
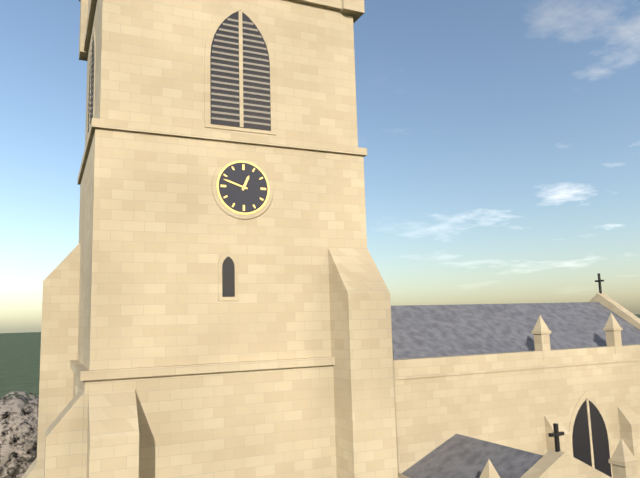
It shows 12:48
